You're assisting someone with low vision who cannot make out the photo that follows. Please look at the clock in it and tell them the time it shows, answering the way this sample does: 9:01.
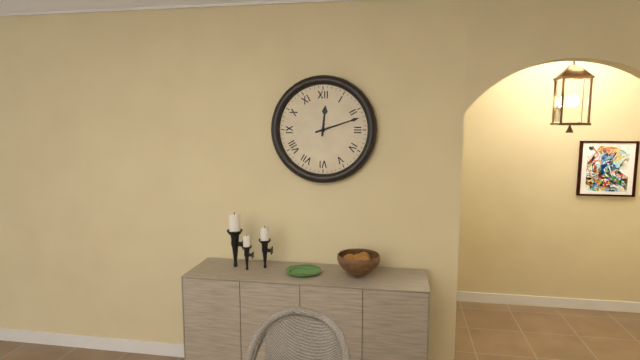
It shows 12:12
